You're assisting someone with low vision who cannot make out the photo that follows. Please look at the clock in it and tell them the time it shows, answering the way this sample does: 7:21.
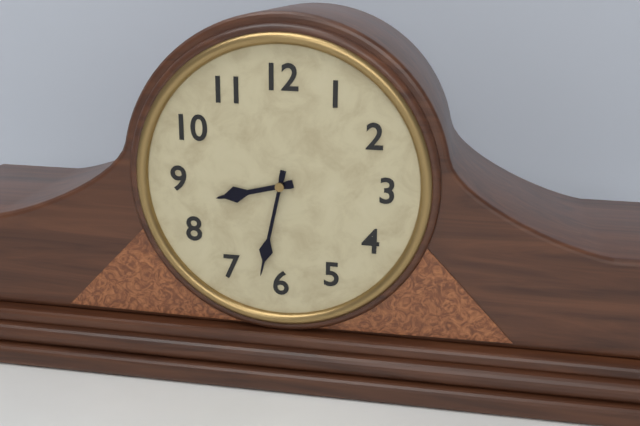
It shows 8:32
